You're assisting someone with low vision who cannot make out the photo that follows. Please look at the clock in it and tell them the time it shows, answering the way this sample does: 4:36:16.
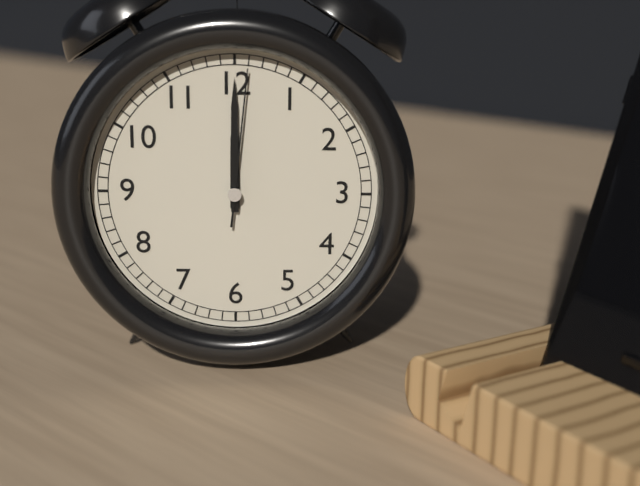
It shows 12:00:01
